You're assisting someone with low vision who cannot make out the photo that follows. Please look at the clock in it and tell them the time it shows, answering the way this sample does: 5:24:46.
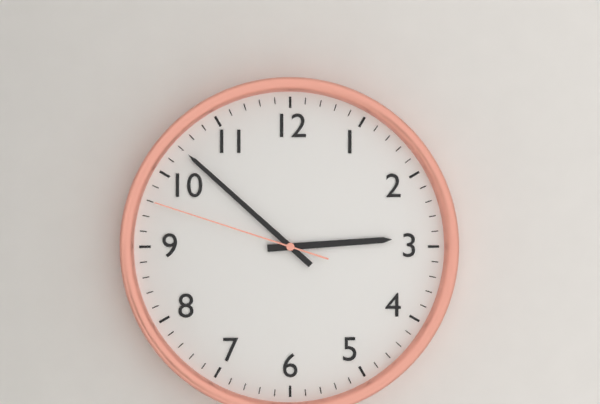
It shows 2:52:48
